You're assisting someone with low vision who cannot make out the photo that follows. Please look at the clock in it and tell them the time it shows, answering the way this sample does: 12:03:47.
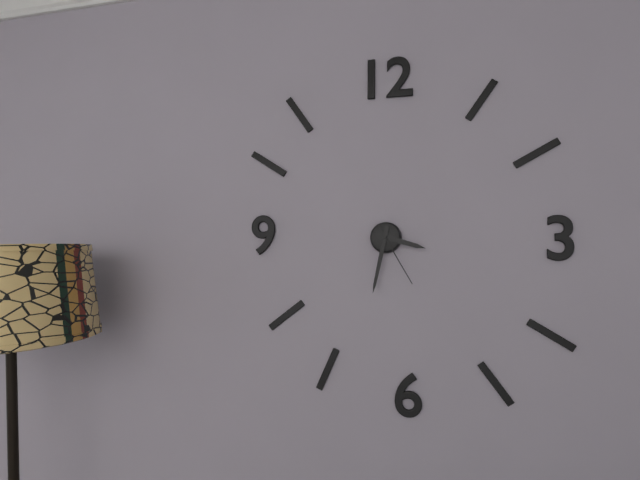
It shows 3:32:25
